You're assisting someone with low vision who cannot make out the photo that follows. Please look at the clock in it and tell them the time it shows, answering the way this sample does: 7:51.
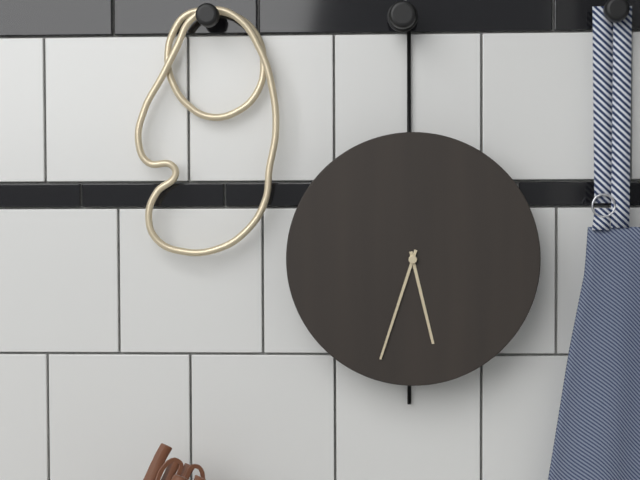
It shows 5:33
